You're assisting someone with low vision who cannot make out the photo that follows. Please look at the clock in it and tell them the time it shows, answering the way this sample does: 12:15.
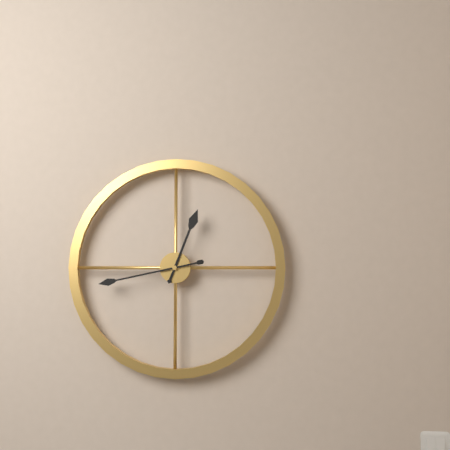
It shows 12:43
